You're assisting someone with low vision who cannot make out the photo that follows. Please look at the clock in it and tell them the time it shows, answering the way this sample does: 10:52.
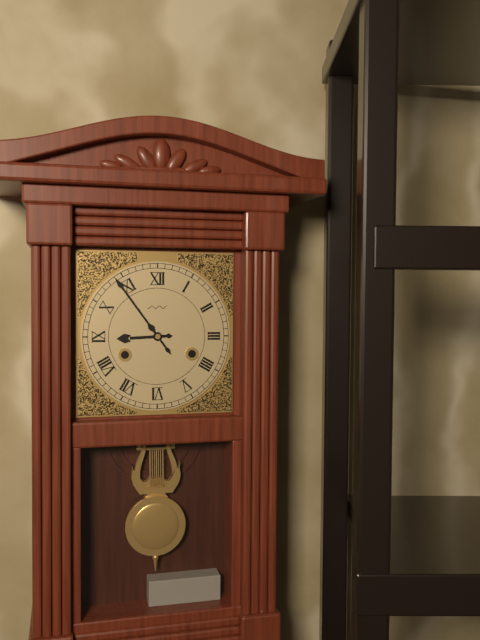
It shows 8:54
